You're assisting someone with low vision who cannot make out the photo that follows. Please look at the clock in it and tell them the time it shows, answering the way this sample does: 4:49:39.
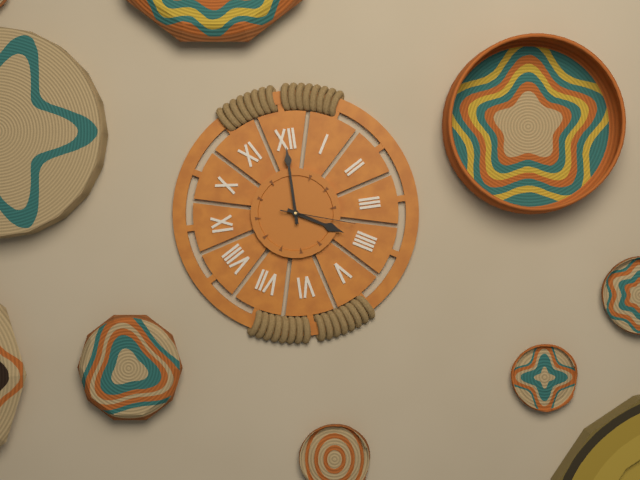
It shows 4:00:18
